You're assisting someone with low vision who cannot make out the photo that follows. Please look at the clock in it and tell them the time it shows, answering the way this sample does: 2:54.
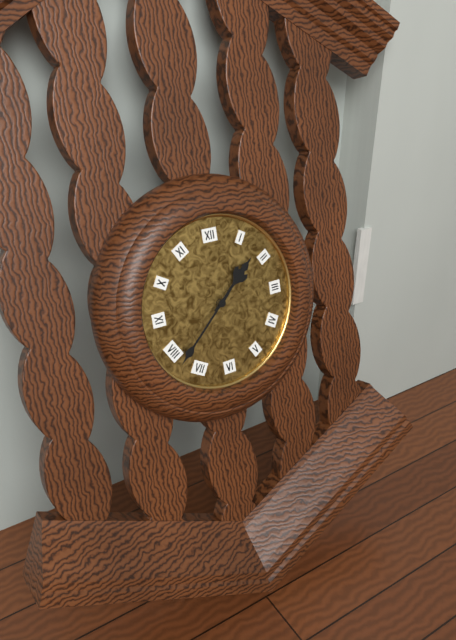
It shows 1:38
